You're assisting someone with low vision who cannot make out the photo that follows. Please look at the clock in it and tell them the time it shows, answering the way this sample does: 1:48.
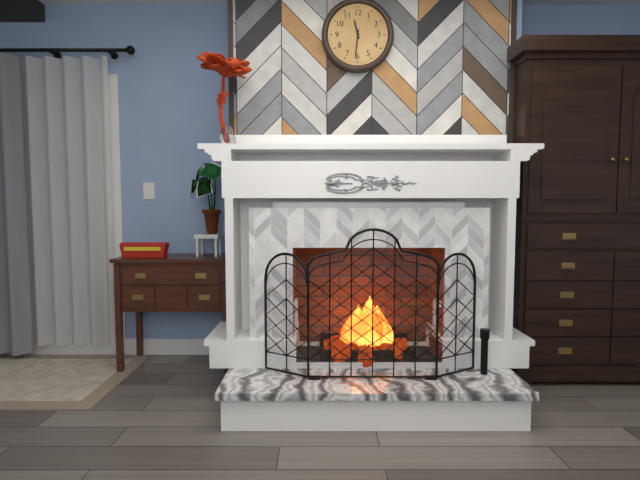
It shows 11:31
